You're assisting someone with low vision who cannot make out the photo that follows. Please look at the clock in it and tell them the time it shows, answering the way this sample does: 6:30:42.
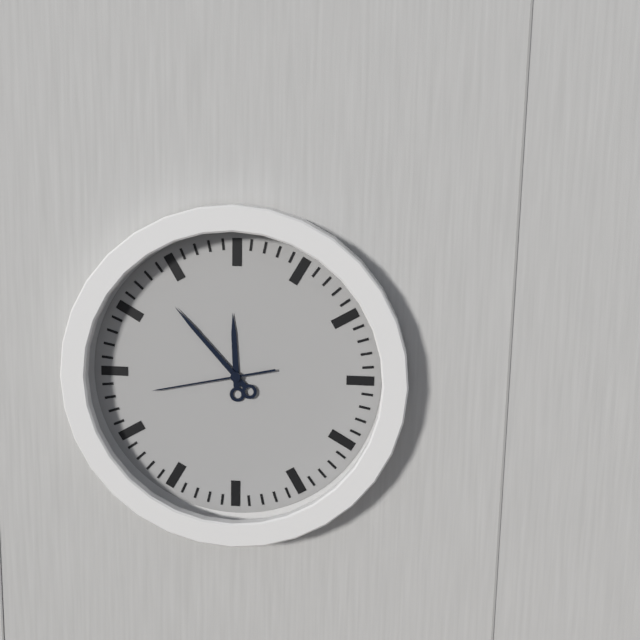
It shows 11:53:43
